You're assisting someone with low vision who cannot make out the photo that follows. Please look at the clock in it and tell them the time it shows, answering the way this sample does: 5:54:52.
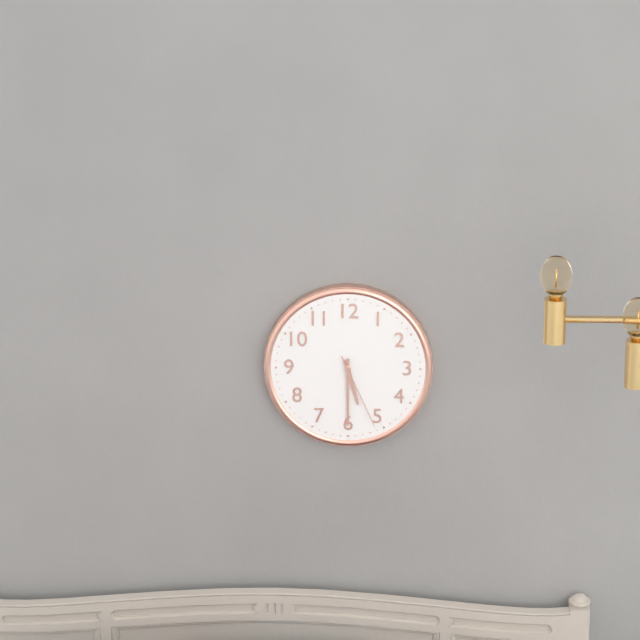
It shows 5:30:26
